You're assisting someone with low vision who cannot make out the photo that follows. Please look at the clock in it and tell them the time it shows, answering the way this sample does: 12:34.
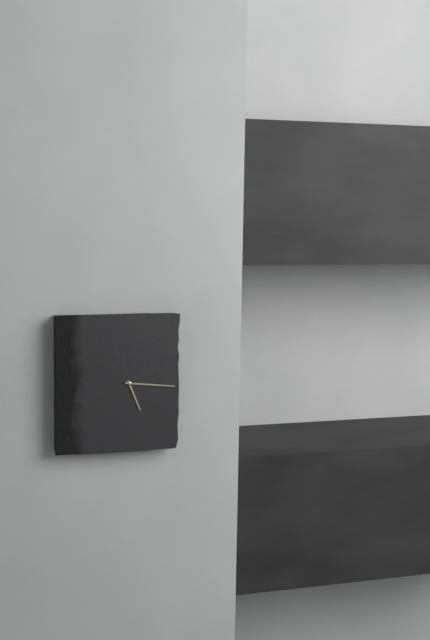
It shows 5:16
